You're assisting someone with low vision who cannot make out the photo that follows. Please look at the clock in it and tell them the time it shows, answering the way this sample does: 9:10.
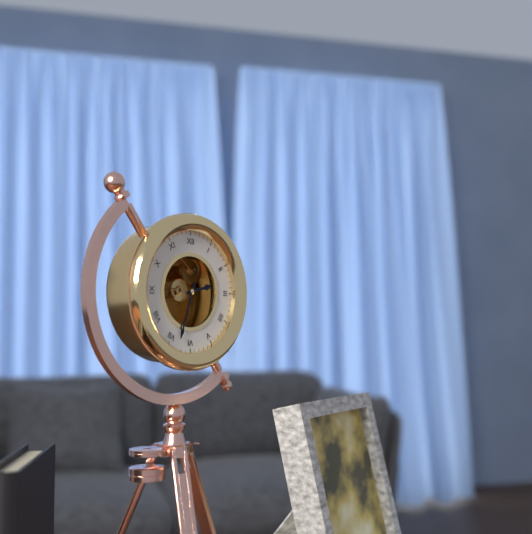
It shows 2:33
